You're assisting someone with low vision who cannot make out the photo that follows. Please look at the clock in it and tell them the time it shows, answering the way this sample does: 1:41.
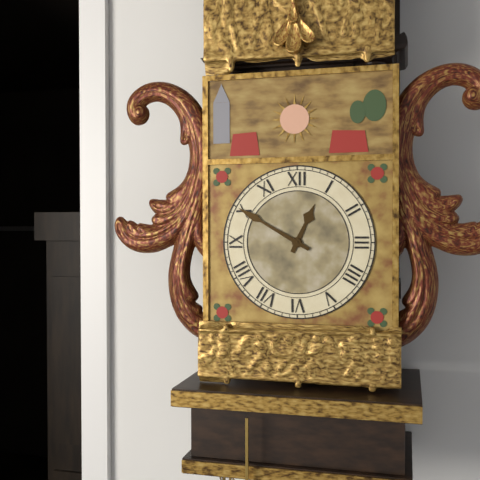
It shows 12:50
